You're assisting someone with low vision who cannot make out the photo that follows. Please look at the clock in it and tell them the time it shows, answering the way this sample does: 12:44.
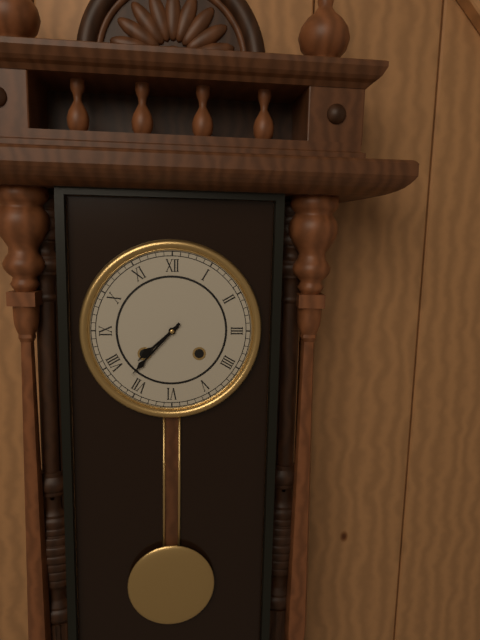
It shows 7:37
